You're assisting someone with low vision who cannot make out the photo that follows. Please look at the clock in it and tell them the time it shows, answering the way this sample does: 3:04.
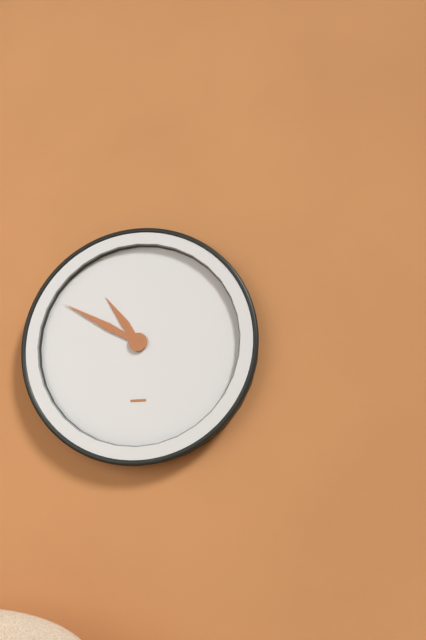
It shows 10:50
